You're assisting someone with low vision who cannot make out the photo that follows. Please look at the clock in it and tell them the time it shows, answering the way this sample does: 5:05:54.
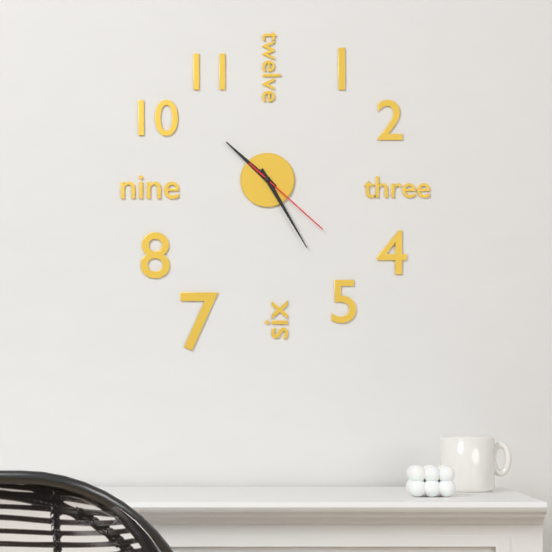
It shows 10:25:22
